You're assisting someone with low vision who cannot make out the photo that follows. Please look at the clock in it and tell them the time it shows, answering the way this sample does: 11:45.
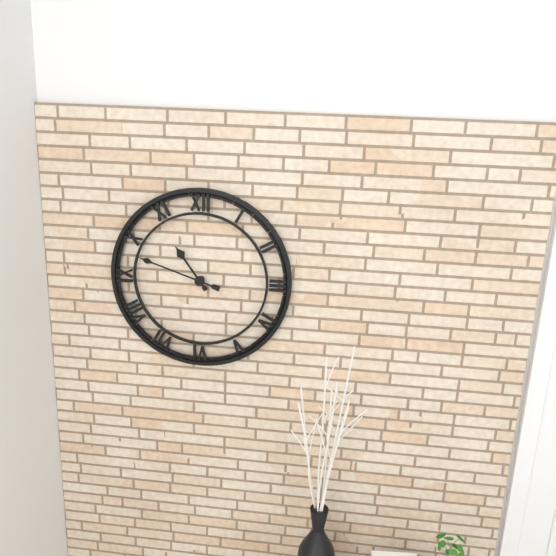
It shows 10:48
